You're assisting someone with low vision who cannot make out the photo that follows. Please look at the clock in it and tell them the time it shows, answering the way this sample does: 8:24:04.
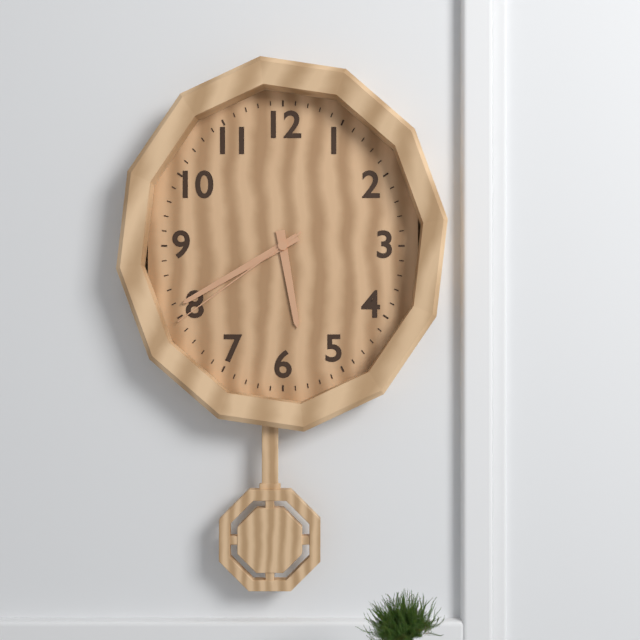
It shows 5:40:39
